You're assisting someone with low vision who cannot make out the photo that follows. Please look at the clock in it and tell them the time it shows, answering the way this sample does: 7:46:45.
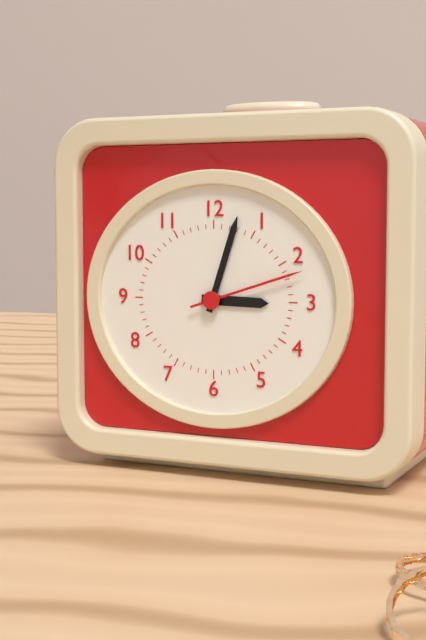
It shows 3:03:12
